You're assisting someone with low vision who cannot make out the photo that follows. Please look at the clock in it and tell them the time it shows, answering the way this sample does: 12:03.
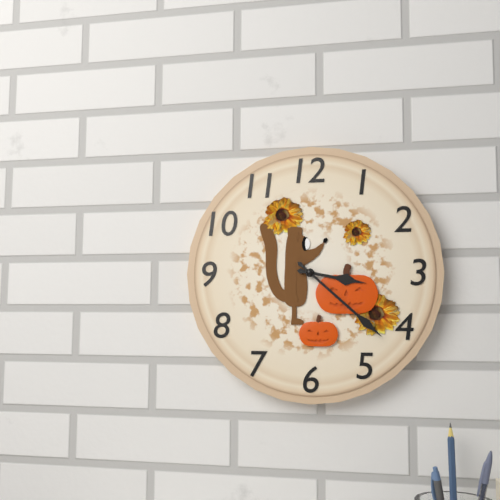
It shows 3:22
